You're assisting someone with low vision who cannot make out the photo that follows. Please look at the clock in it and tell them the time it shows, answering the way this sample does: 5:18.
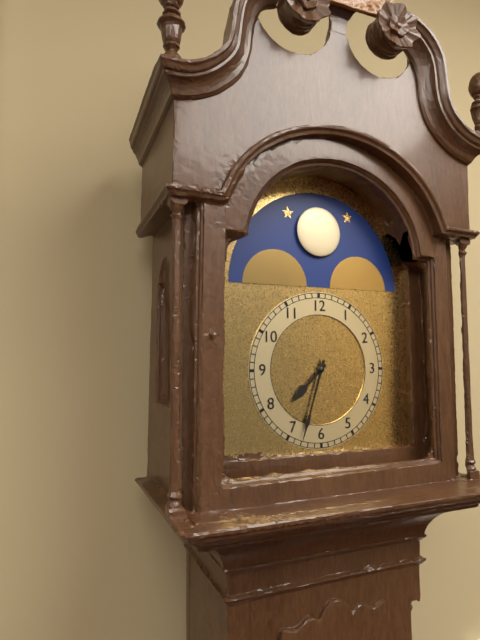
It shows 7:33
